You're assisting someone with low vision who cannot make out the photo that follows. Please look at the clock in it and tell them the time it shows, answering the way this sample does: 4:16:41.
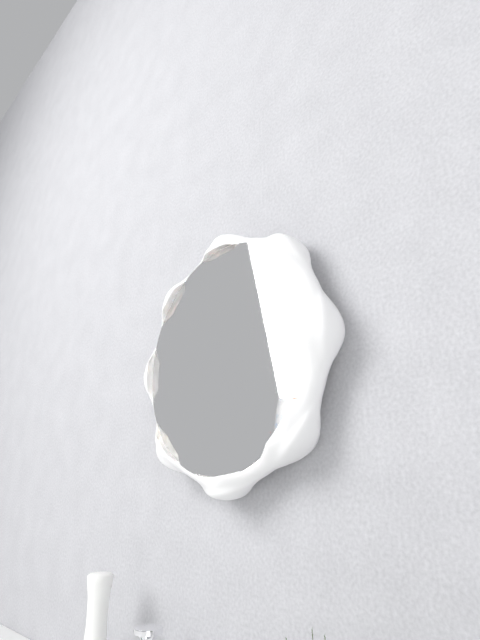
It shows 4:20:36
